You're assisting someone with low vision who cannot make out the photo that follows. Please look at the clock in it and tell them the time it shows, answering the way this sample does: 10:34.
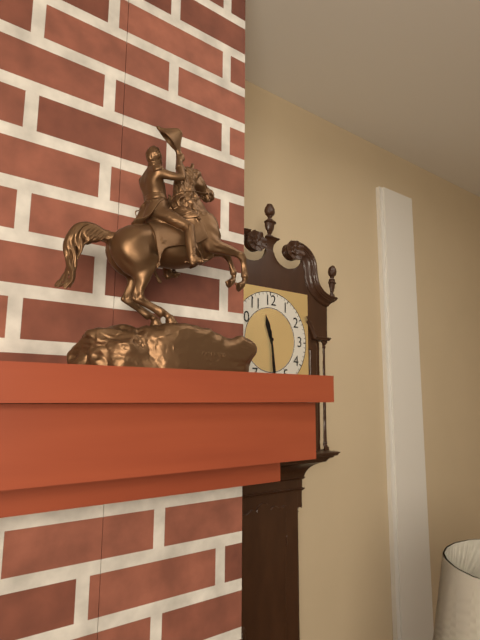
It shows 11:29
